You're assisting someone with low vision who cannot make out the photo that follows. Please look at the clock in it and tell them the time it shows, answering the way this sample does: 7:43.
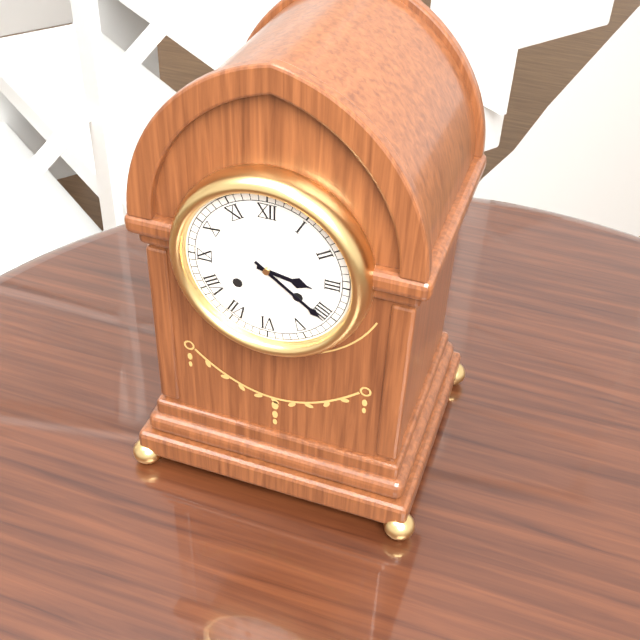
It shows 3:21
